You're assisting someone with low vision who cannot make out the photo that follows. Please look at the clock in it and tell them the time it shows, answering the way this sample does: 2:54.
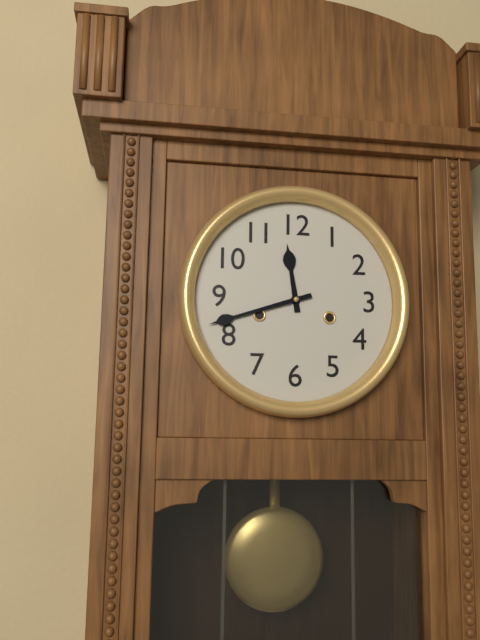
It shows 11:42
